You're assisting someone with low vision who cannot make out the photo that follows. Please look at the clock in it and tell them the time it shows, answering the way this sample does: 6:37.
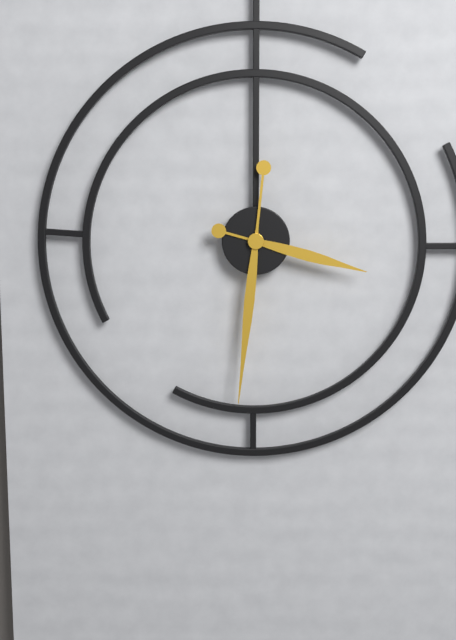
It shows 3:31
